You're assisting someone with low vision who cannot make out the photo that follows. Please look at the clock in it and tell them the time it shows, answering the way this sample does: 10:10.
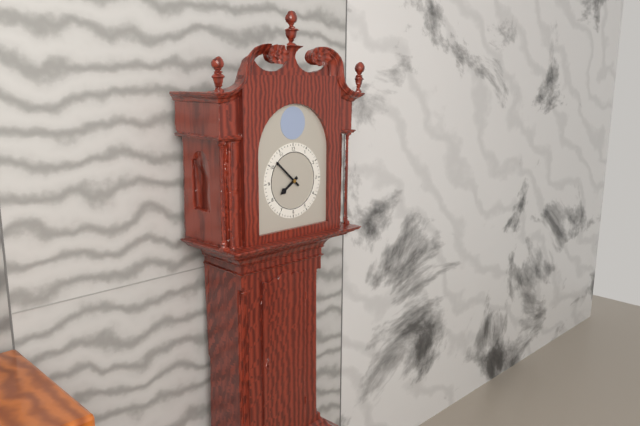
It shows 7:52
